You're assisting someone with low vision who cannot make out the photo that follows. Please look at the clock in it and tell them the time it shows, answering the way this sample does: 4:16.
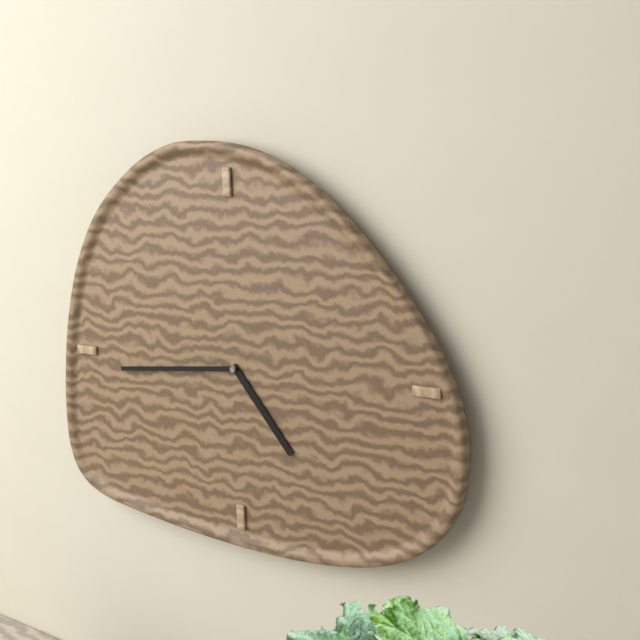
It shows 4:44
